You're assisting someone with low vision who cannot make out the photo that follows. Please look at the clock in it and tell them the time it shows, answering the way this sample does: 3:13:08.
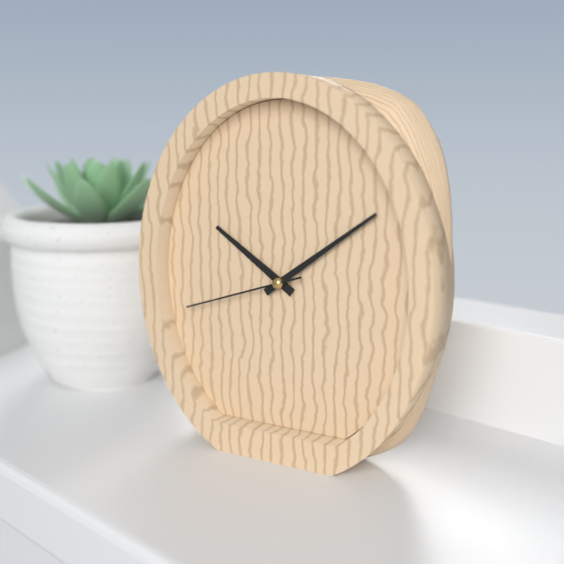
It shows 10:09:42
